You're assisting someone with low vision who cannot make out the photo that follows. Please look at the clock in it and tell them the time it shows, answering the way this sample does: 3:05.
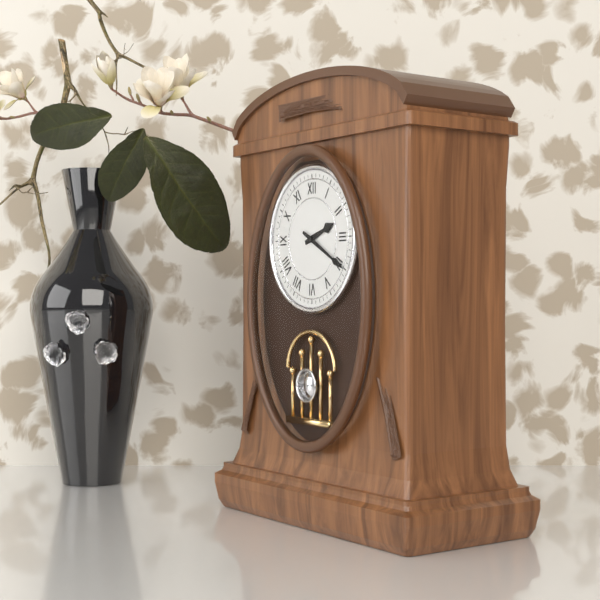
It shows 2:20
